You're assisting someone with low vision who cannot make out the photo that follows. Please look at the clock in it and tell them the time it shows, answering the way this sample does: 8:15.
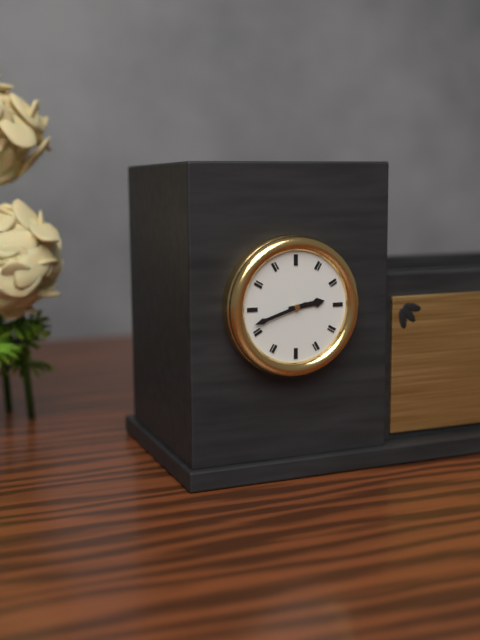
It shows 2:42
